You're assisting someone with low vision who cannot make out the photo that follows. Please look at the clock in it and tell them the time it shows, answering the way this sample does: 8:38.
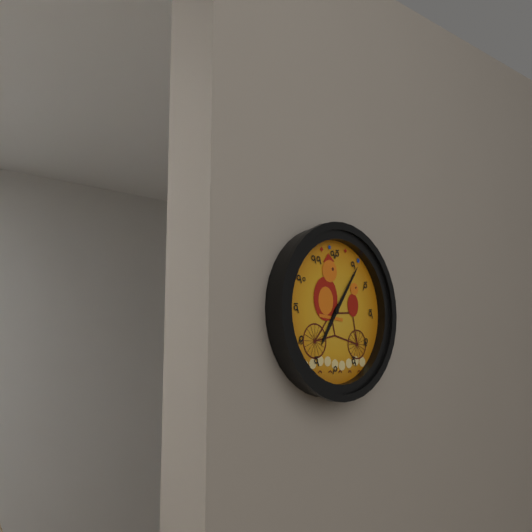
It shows 7:06
